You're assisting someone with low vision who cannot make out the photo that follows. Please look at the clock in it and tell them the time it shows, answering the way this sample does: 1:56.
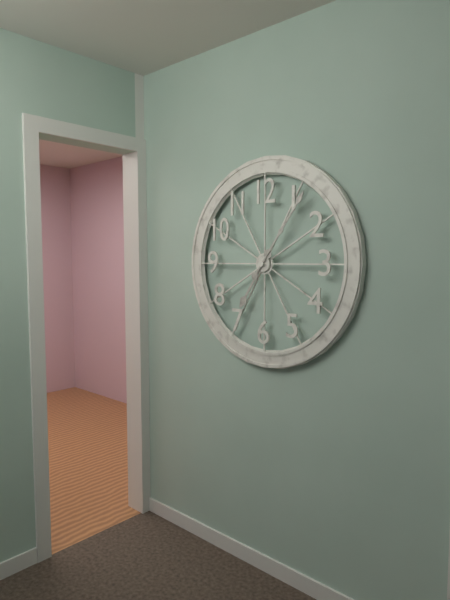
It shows 7:06
